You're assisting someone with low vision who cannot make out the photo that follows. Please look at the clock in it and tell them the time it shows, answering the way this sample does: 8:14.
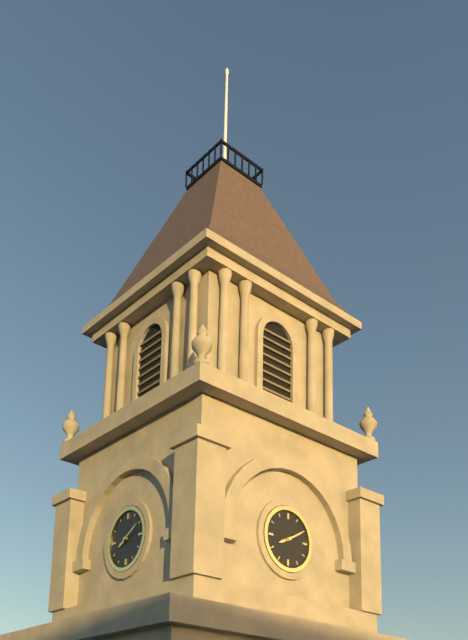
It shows 8:10
